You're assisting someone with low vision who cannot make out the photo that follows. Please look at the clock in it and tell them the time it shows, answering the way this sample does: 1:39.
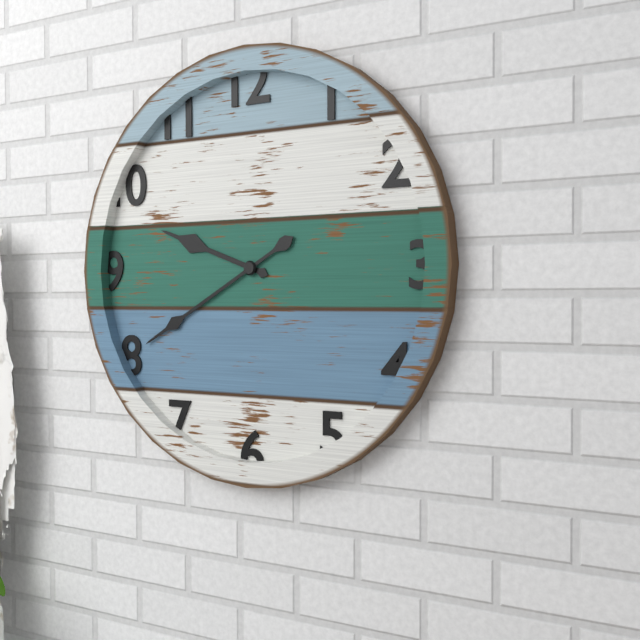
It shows 9:40
